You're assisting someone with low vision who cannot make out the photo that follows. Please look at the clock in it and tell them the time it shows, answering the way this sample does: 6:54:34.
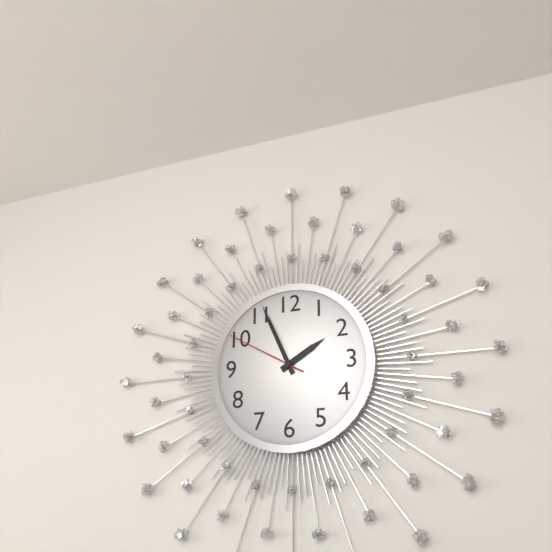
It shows 1:56:50
